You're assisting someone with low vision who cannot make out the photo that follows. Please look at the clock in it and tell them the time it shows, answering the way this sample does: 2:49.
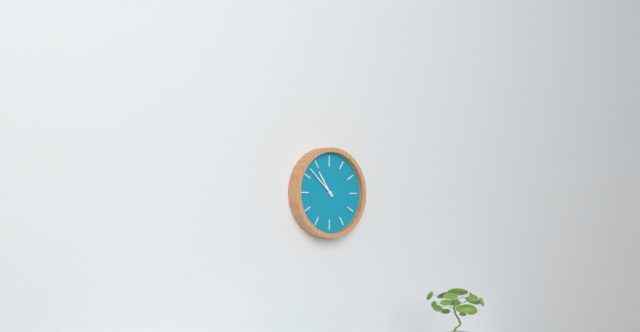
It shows 10:52
